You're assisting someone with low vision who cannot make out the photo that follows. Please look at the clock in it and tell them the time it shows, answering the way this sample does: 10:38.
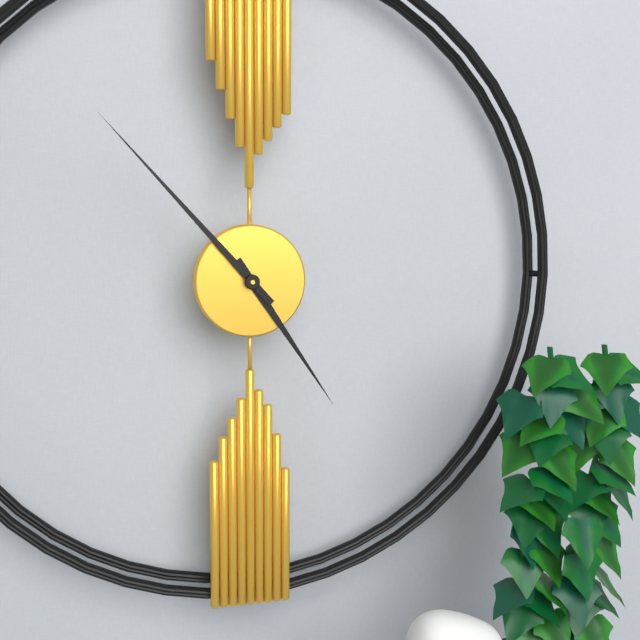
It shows 4:53
